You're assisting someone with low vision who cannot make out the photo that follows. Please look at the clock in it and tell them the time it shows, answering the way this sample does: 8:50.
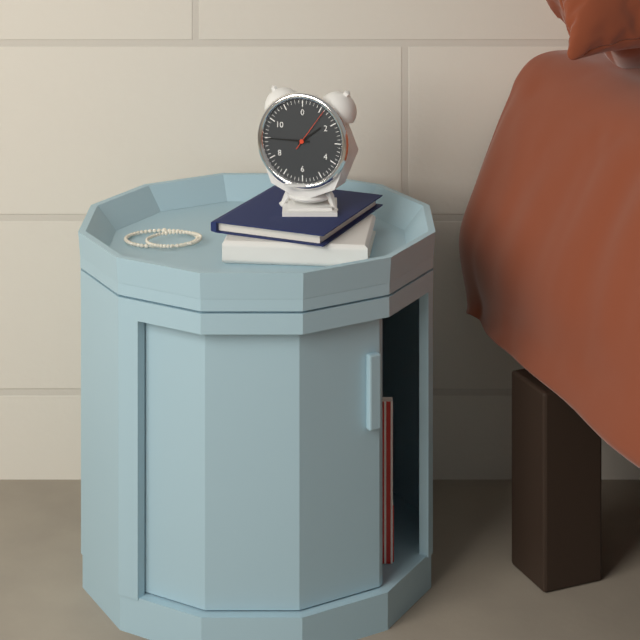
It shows 1:45
